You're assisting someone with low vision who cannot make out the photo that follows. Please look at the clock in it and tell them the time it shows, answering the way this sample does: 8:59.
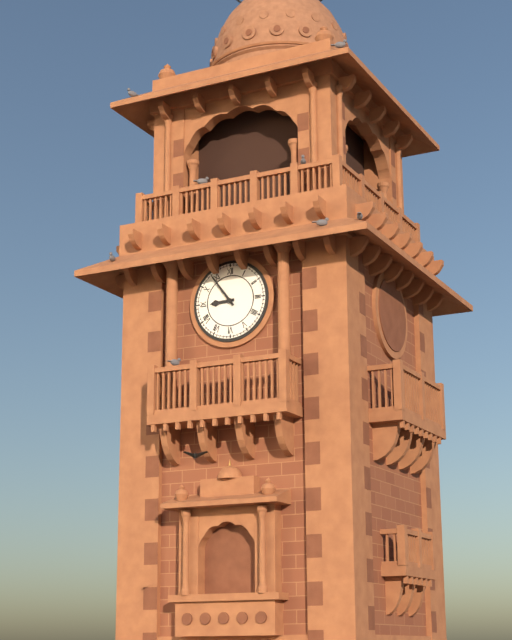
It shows 8:54
